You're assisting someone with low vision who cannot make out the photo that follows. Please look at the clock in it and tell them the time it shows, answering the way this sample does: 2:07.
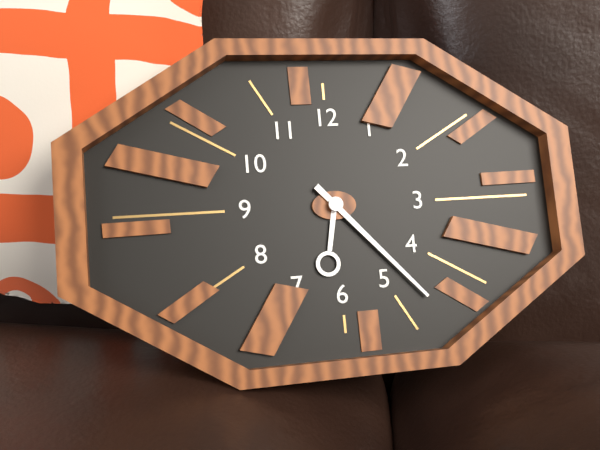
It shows 6:23
